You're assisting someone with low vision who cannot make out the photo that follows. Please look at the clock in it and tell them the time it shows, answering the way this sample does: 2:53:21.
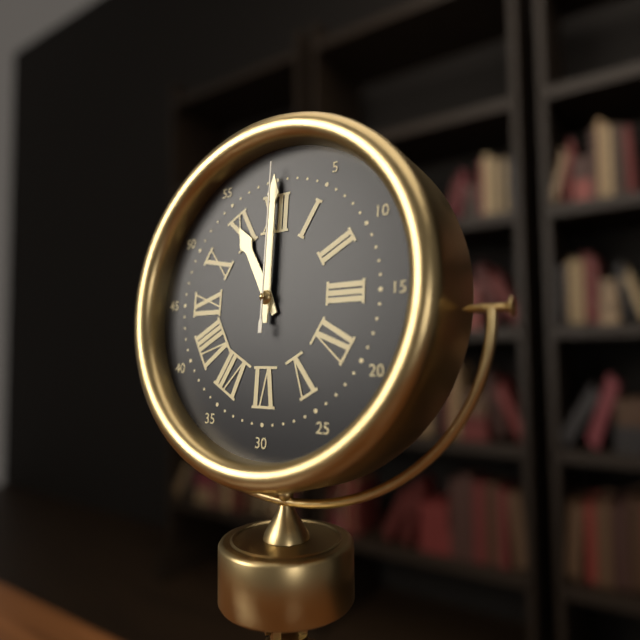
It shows 11:00:00
